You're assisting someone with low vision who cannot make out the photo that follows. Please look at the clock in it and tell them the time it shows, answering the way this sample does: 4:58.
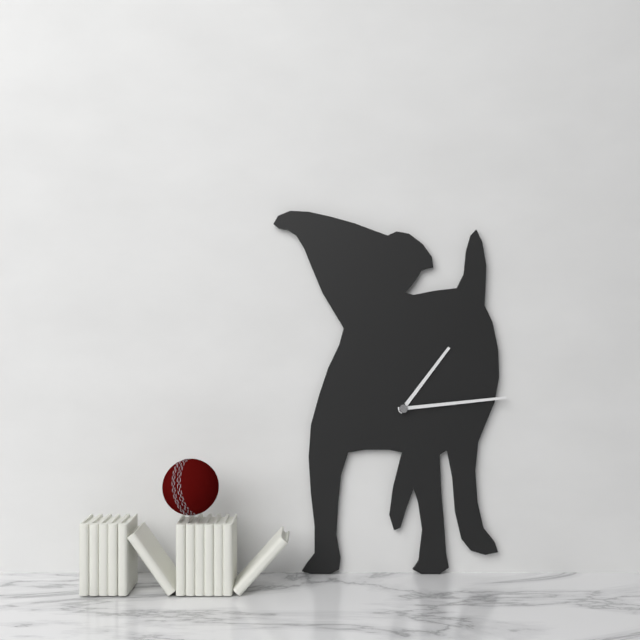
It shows 1:14
